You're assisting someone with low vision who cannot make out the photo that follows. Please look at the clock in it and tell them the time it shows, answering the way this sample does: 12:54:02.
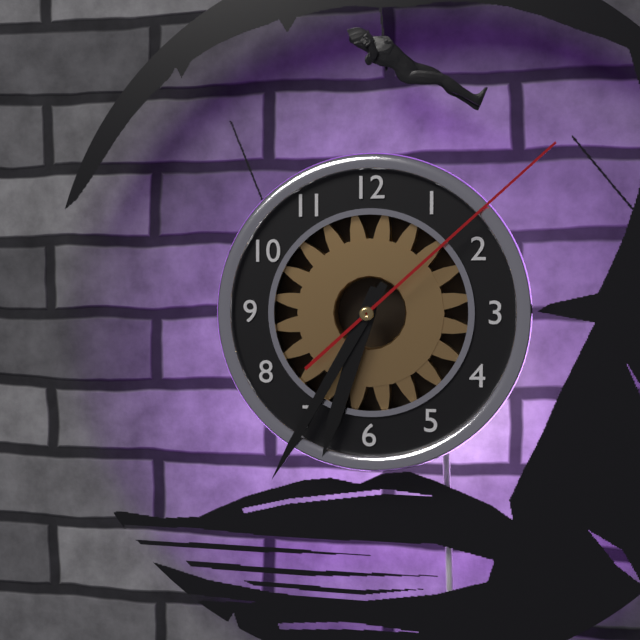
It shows 6:35:08
